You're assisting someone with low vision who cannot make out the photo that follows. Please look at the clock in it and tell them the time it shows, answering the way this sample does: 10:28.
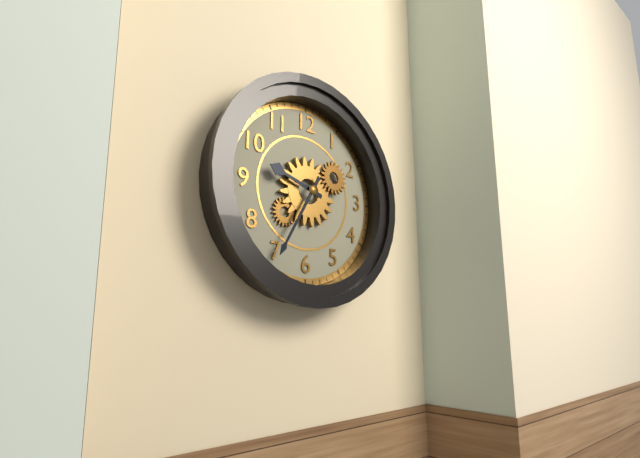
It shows 9:35
